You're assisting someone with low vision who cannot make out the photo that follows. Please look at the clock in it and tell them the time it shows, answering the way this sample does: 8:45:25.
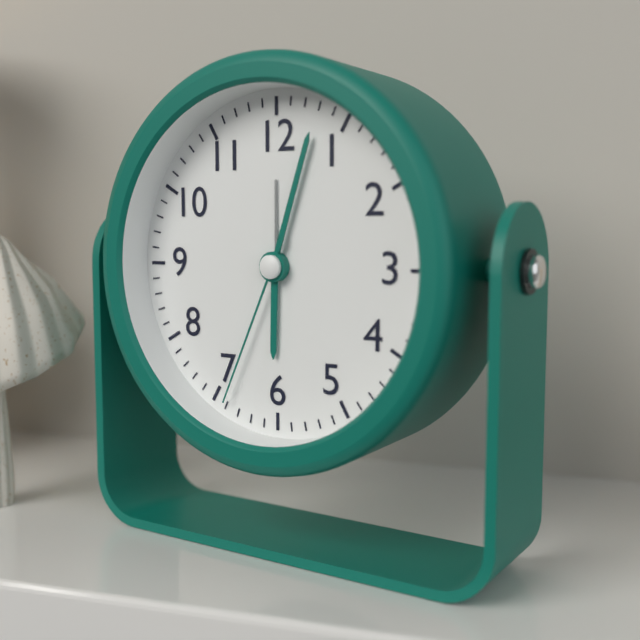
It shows 6:03:34
